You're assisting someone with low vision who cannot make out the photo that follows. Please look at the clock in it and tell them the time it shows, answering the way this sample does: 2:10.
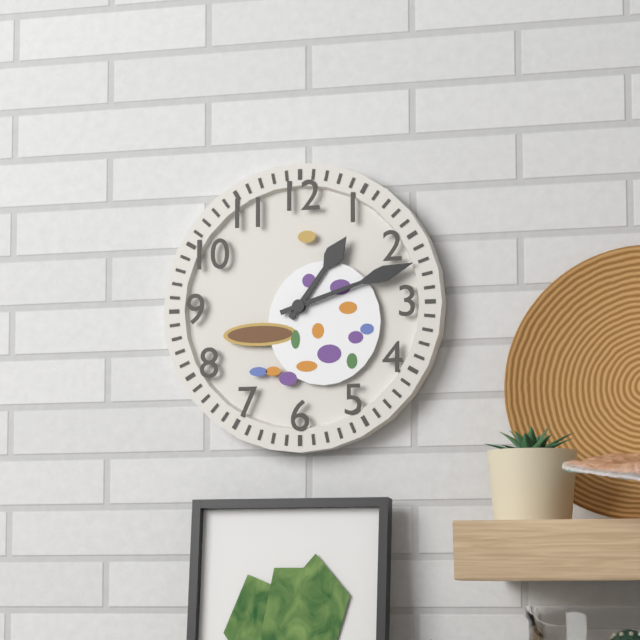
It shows 1:12
